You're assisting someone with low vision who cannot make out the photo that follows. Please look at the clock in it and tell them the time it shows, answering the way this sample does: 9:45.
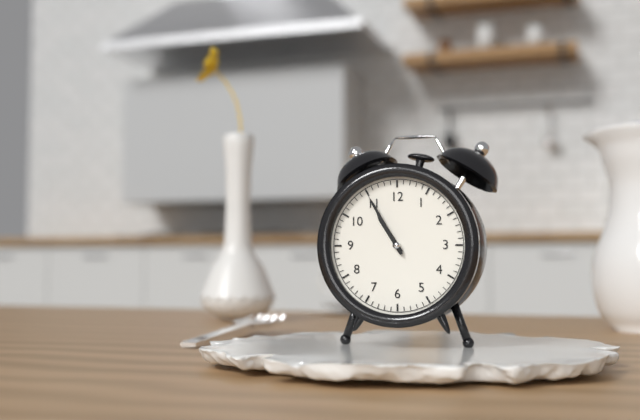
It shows 10:55
